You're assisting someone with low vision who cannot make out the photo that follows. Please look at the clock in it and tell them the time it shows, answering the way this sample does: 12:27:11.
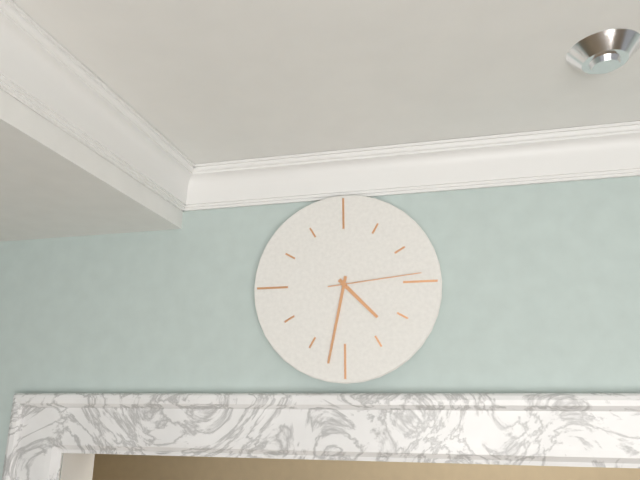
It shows 4:32:14
